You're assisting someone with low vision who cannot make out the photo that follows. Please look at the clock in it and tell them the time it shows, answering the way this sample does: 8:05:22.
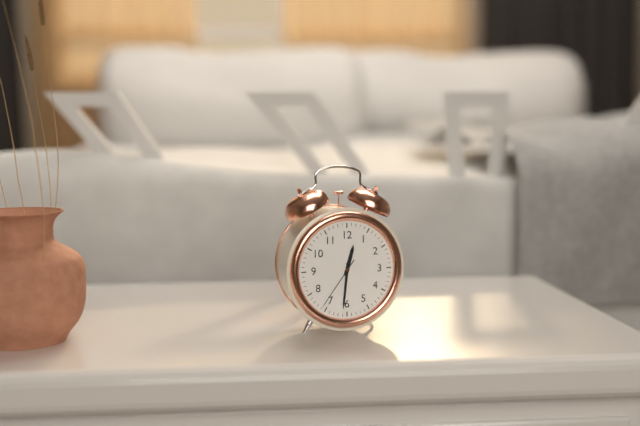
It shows 12:31:36
